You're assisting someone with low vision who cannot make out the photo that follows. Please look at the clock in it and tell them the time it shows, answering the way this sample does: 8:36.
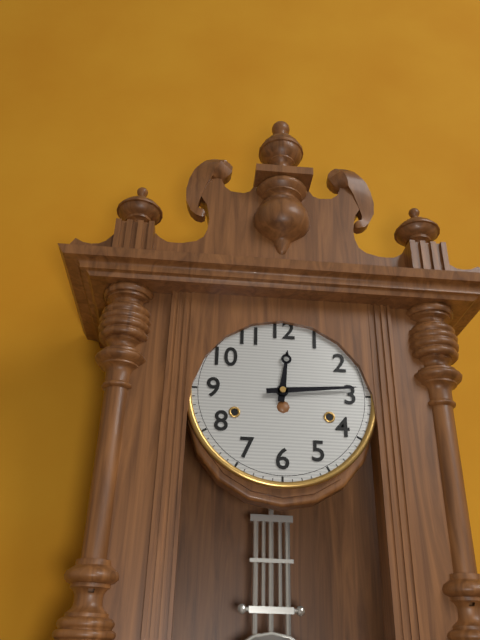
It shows 12:14
